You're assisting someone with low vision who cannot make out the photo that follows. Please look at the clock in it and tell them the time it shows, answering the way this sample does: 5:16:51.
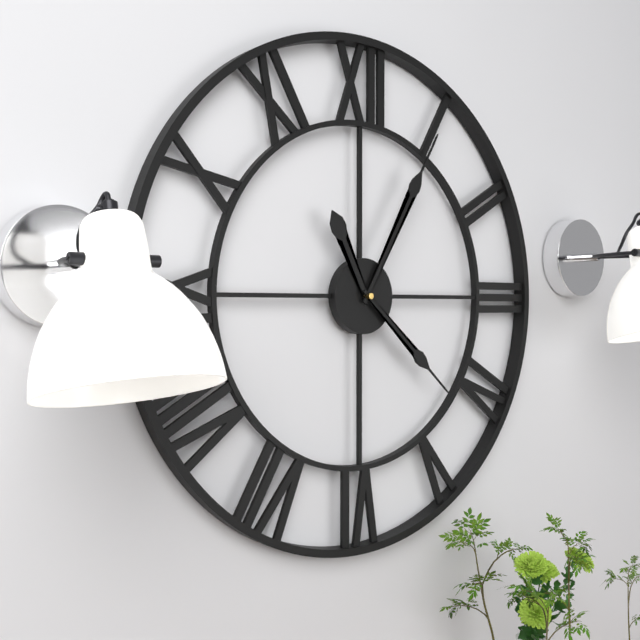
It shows 11:05:22
